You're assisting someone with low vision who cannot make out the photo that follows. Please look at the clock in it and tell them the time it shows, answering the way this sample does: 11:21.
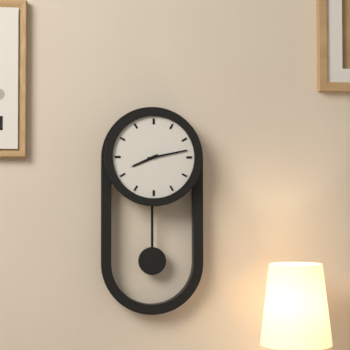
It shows 8:13
